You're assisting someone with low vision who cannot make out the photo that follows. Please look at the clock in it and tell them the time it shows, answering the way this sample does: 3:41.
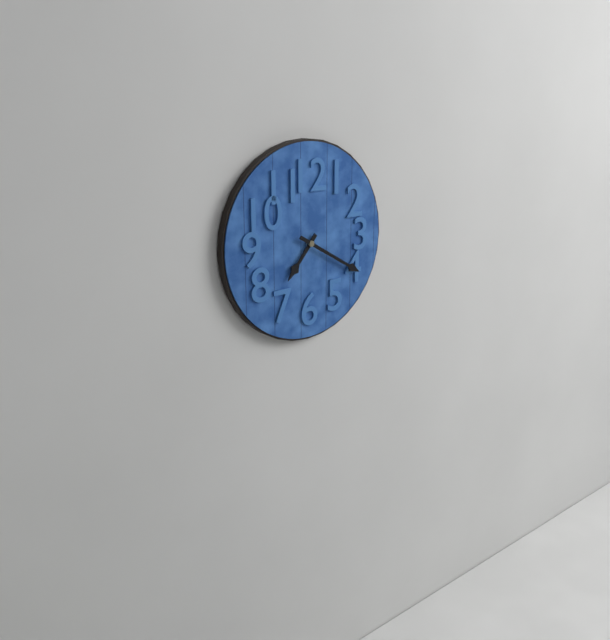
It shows 7:20
